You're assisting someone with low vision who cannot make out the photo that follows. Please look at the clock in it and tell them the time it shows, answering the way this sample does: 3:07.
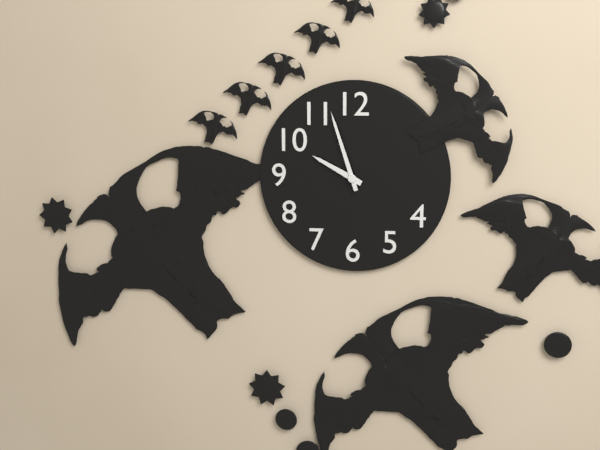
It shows 9:57
